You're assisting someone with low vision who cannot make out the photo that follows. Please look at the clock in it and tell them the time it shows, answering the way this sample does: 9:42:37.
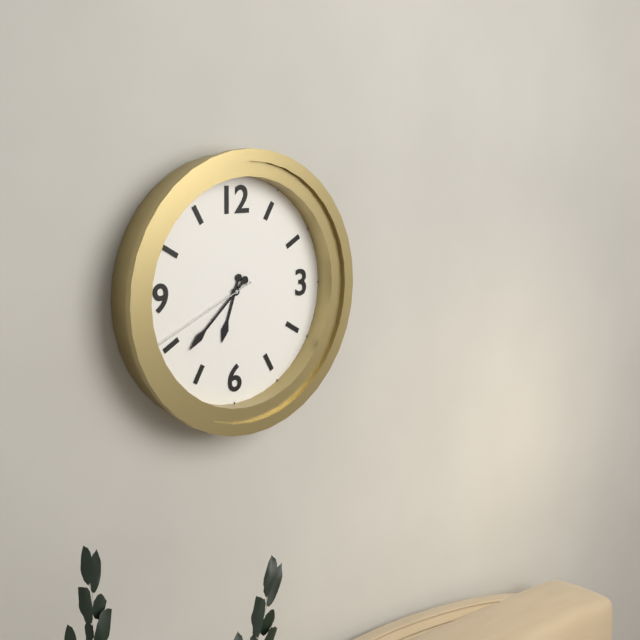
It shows 6:38:41
